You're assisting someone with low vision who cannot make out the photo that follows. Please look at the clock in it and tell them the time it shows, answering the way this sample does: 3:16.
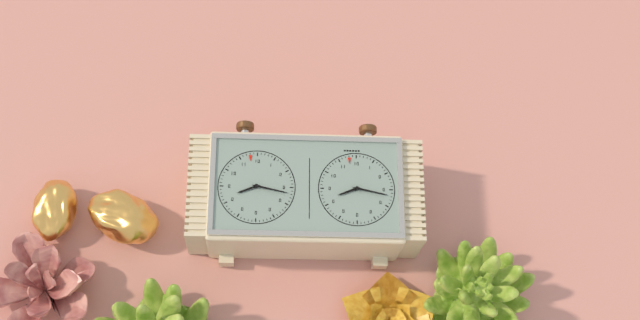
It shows 8:17
